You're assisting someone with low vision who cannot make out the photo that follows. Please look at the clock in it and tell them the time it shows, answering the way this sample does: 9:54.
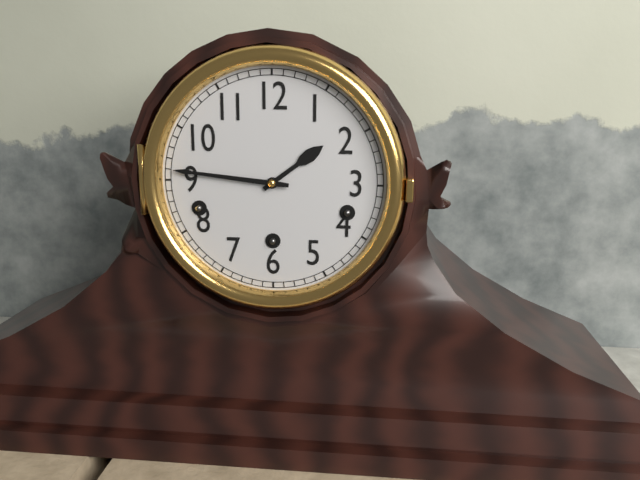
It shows 1:46
